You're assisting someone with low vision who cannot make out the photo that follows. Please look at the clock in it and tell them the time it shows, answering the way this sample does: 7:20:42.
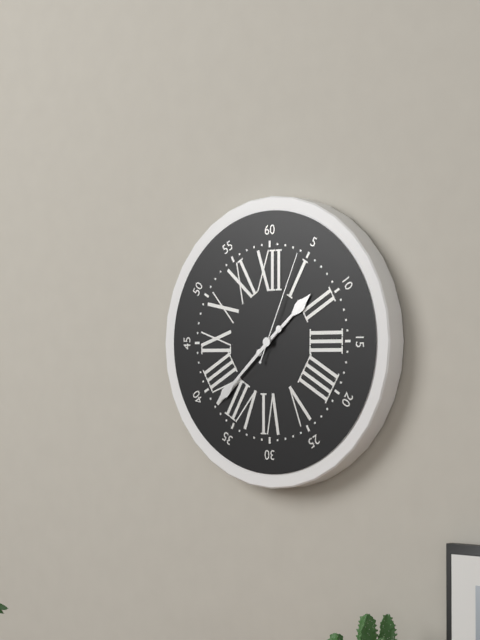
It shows 1:38:04
